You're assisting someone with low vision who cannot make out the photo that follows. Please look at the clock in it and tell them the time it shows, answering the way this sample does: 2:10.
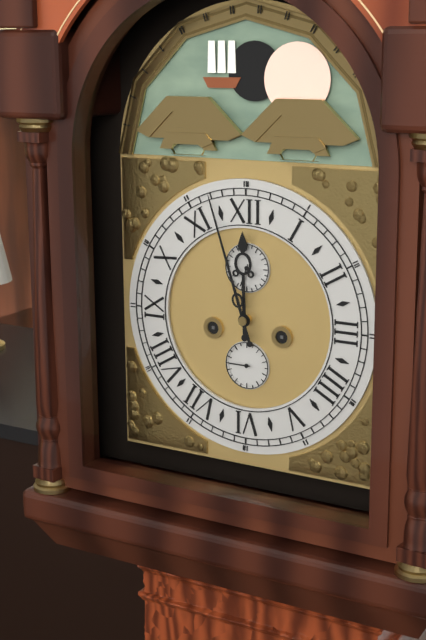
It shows 11:57
